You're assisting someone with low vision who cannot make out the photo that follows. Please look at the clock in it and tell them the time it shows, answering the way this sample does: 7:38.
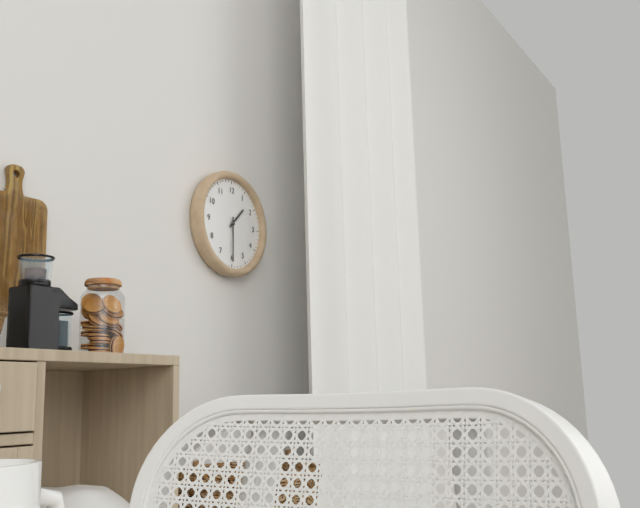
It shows 1:30
